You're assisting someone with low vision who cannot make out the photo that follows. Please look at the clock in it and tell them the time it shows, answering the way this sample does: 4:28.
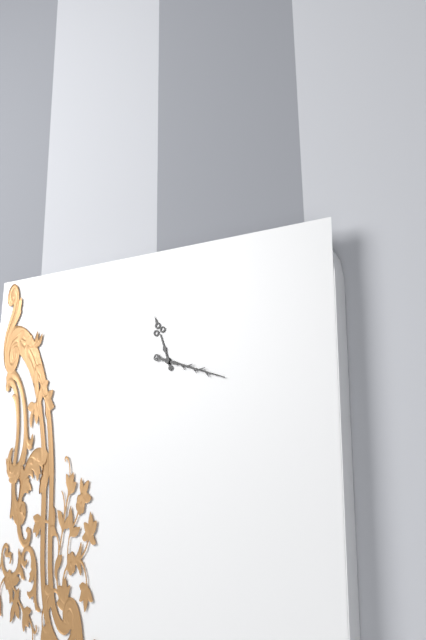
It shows 11:18
